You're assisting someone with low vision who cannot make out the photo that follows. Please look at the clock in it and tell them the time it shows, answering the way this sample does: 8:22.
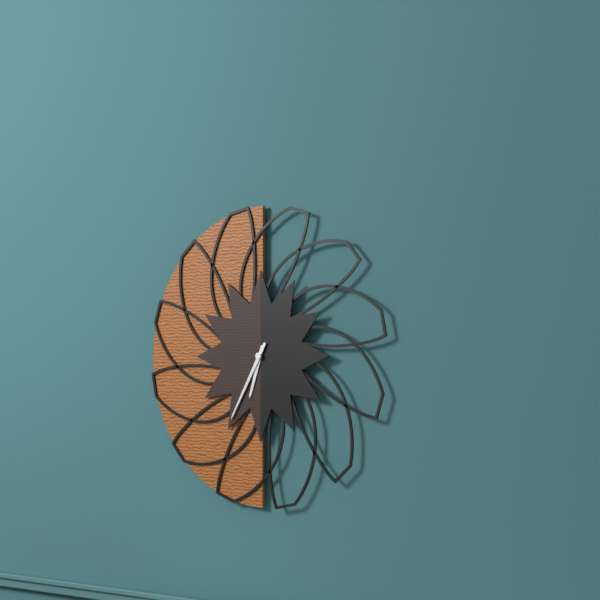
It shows 6:35
